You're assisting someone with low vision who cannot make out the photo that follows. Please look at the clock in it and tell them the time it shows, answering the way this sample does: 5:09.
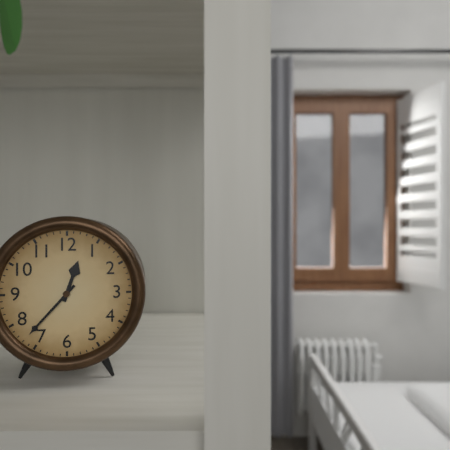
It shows 12:37
